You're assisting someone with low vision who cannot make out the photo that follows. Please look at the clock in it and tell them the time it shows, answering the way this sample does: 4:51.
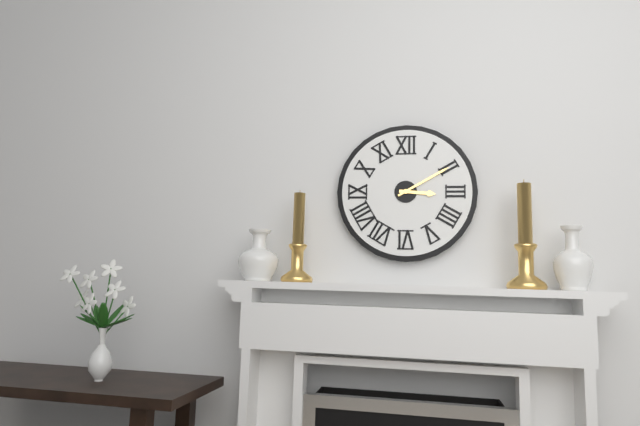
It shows 3:10
